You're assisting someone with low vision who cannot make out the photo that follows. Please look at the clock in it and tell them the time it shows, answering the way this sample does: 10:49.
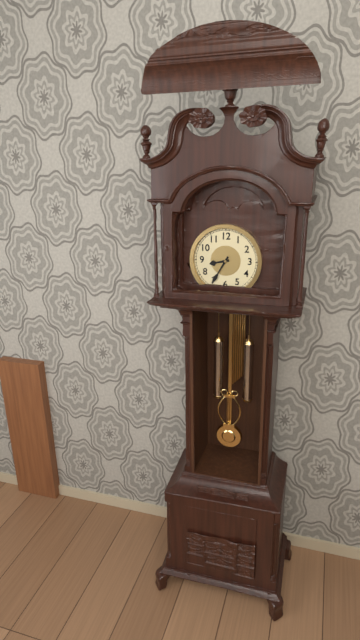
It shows 8:35
